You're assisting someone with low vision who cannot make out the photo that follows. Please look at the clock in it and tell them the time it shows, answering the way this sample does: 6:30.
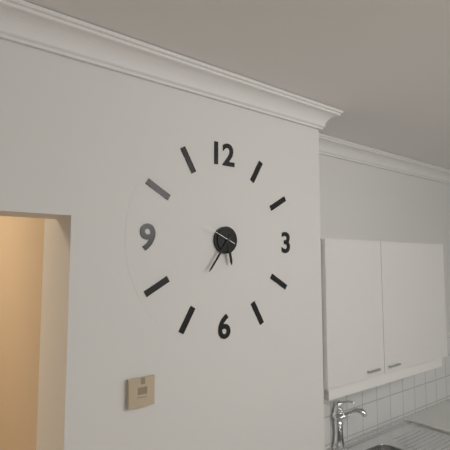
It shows 5:36
